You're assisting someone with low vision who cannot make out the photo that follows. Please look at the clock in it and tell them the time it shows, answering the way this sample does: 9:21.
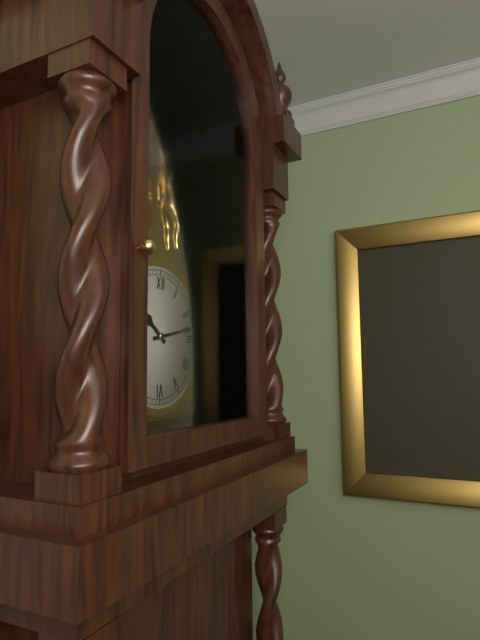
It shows 10:13
